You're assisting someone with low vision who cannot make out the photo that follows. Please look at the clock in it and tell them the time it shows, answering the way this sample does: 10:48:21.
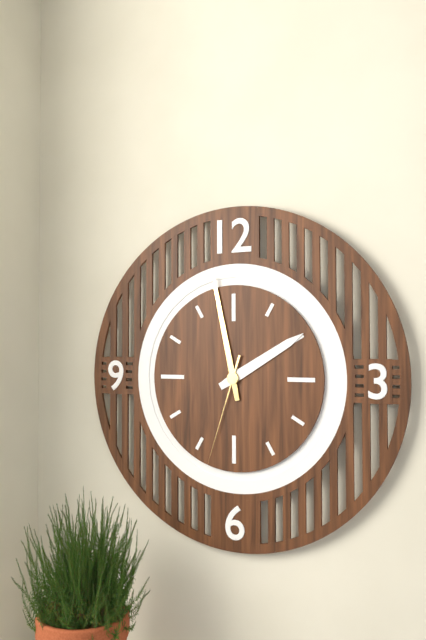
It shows 1:58:33
